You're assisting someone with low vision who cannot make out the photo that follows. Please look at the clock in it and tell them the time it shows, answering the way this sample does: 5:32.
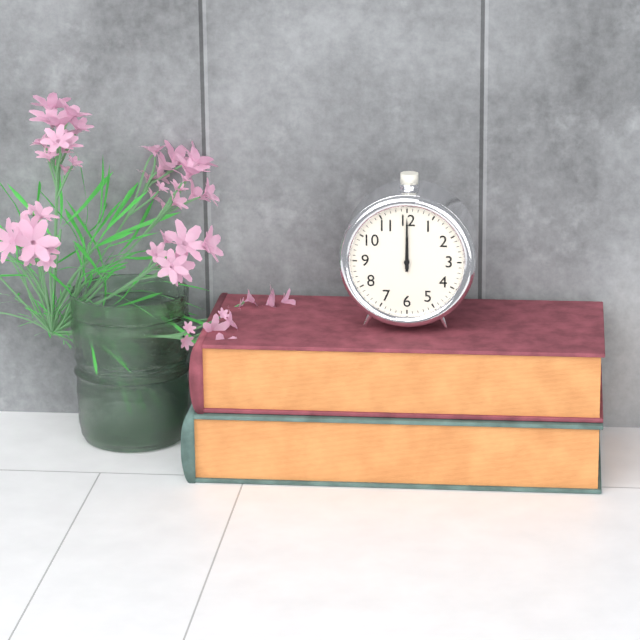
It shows 12:00
